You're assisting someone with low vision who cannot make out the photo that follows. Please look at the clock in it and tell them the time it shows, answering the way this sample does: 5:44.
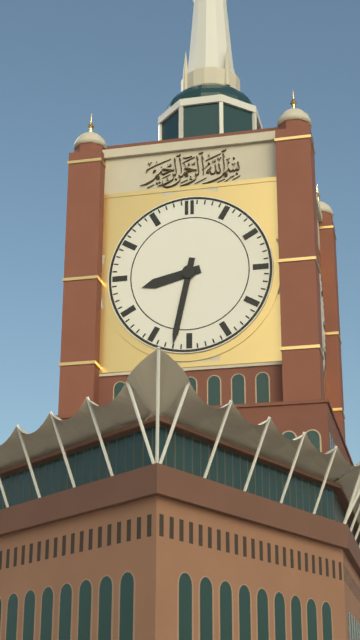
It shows 8:32
